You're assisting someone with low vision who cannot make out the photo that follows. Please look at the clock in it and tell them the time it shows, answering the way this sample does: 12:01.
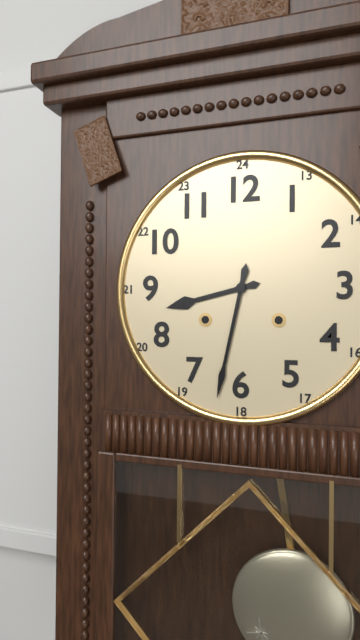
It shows 8:32
